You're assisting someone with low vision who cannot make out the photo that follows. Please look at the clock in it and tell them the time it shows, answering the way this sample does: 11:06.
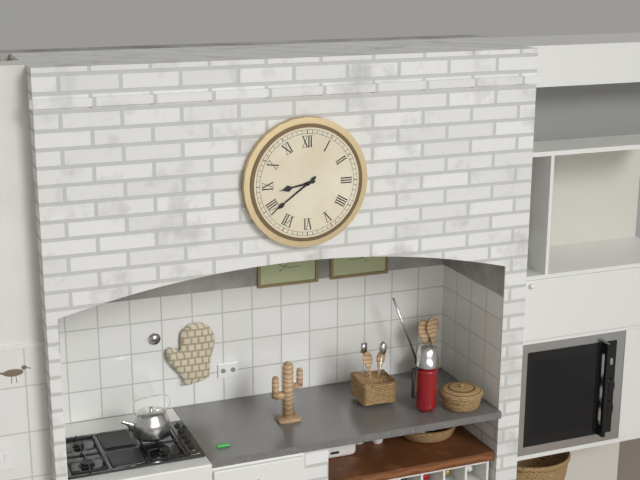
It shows 8:39
